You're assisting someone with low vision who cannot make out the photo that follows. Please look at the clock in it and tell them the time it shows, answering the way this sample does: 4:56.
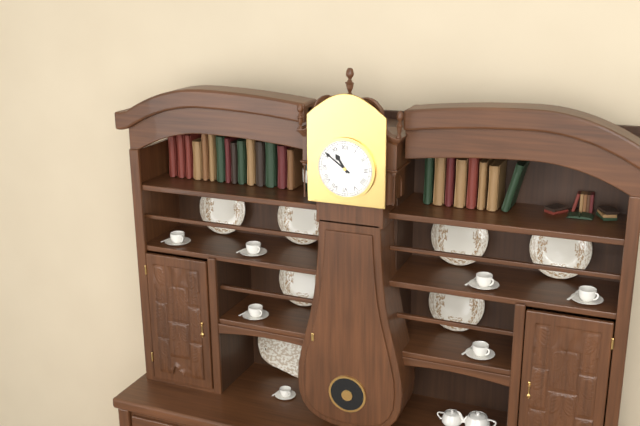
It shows 10:51
